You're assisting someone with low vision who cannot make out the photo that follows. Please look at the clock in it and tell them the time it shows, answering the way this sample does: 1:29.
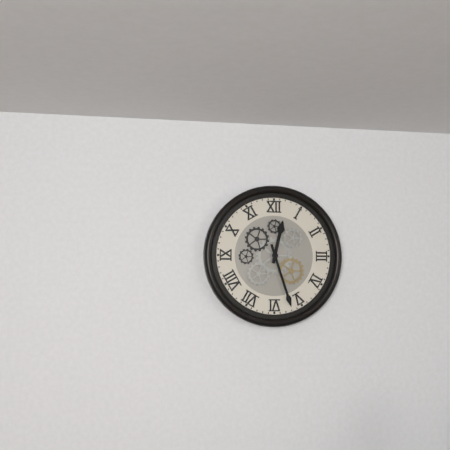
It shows 12:27
